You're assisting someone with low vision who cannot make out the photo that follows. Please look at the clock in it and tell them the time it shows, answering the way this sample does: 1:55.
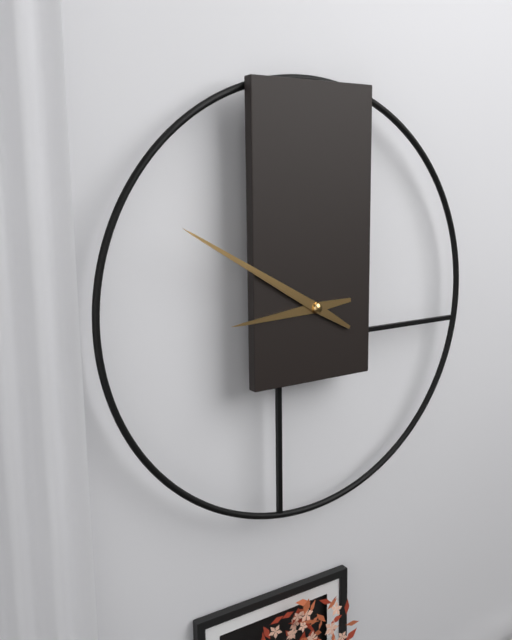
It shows 8:50
